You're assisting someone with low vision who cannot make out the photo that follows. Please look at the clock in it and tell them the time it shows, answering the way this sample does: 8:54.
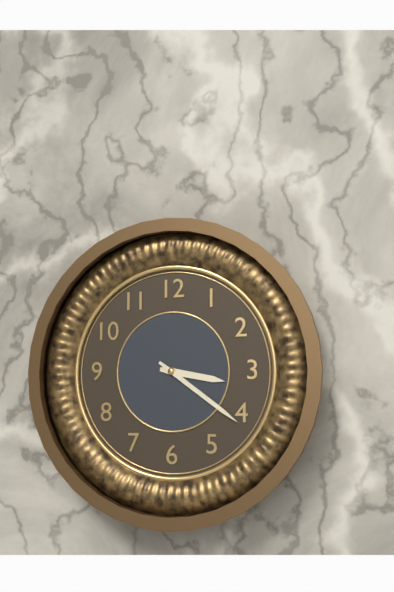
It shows 3:21
